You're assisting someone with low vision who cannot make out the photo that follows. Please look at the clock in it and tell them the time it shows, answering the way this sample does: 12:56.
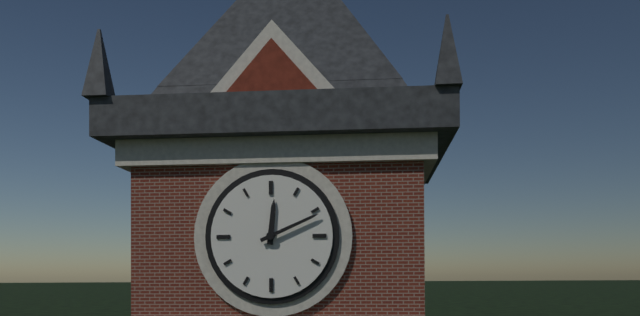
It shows 12:11
